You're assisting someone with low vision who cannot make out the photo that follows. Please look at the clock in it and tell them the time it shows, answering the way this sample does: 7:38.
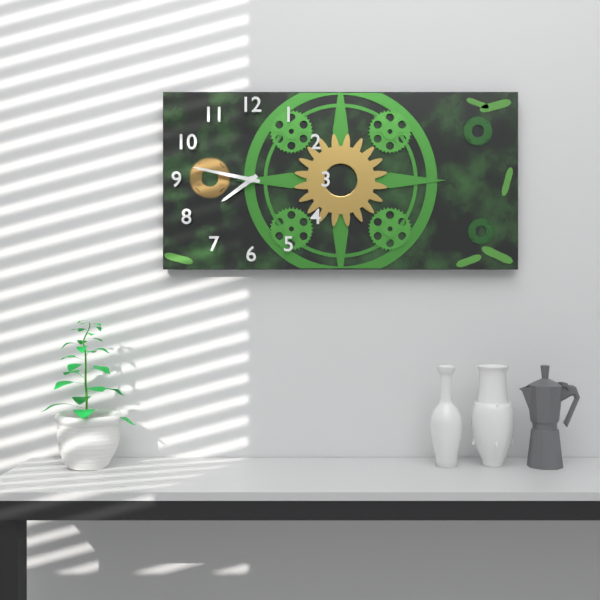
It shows 7:47
